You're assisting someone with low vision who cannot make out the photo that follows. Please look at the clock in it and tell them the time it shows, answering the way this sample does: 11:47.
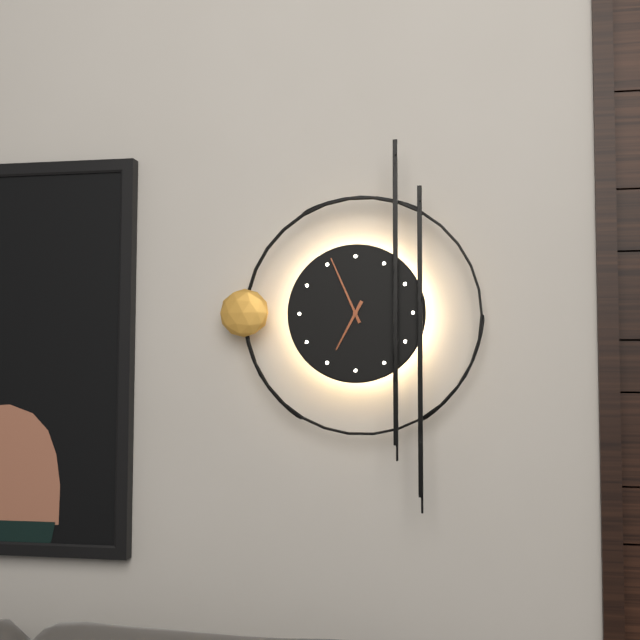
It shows 6:56
